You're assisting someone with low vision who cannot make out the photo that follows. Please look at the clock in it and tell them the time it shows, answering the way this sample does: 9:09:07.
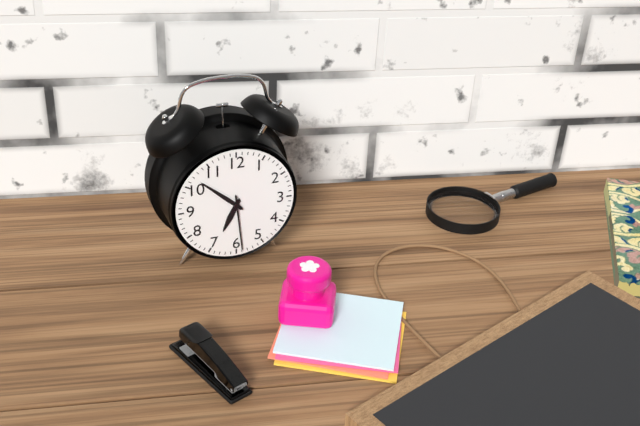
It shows 6:52:29
